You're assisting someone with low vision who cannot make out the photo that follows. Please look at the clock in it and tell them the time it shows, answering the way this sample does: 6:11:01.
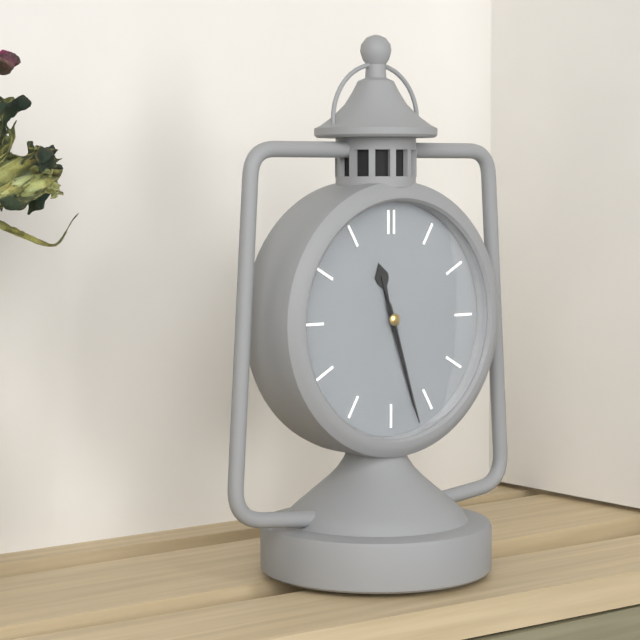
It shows 11:27:27
